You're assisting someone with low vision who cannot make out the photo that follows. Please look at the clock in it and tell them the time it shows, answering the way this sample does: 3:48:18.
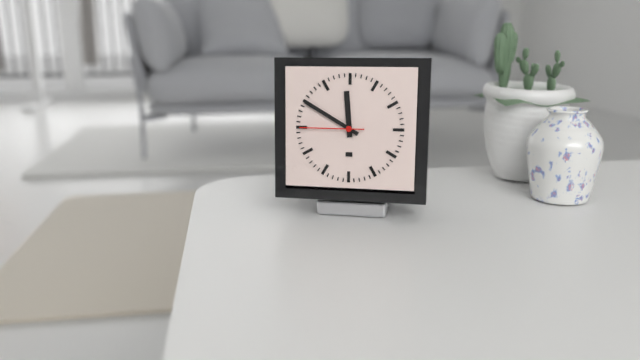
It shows 11:50:45
